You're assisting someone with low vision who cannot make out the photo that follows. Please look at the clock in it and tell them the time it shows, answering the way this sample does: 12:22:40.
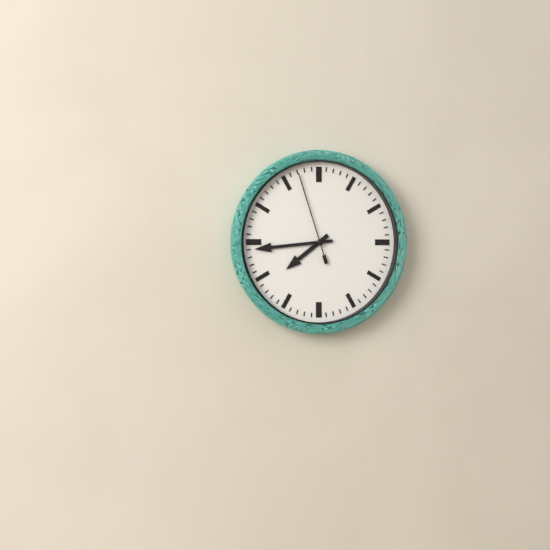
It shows 7:44:57
